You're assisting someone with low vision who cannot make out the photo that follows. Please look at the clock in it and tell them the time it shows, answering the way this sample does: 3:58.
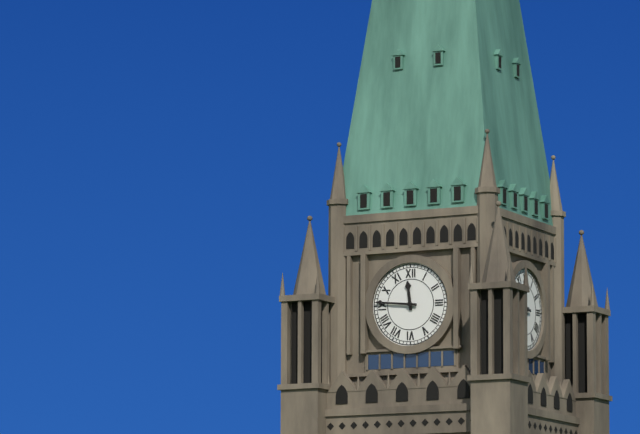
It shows 11:46
